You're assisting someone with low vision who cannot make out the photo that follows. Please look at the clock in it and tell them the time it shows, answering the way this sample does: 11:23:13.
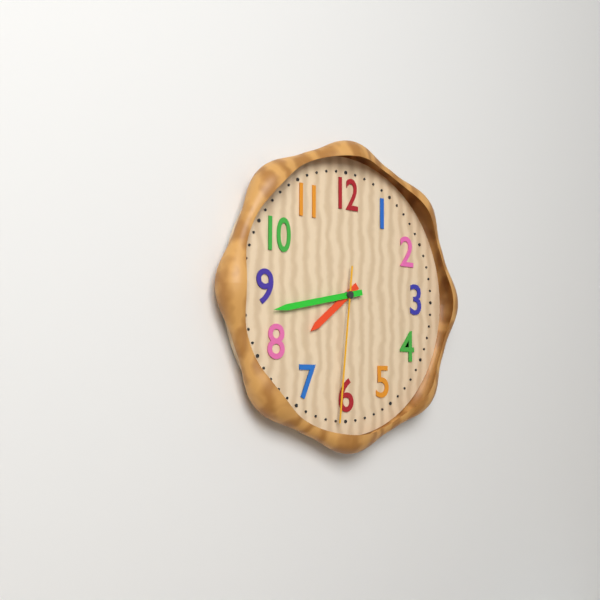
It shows 7:43:31
